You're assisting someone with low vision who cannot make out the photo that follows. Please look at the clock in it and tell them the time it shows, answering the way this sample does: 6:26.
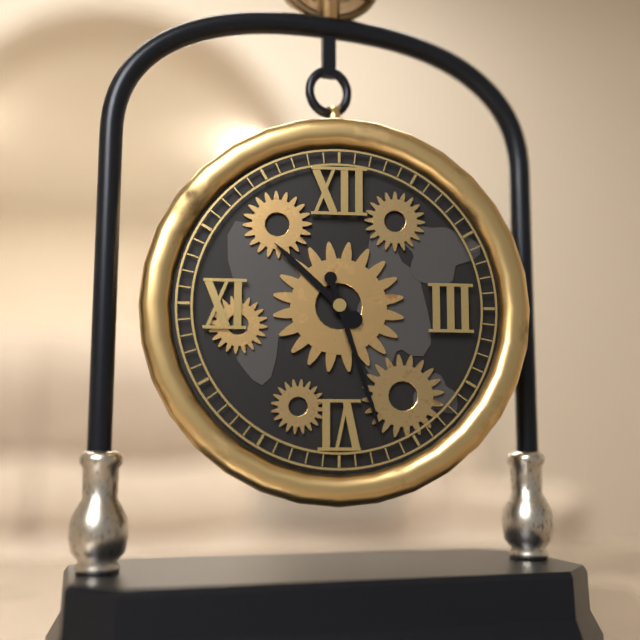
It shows 10:27
